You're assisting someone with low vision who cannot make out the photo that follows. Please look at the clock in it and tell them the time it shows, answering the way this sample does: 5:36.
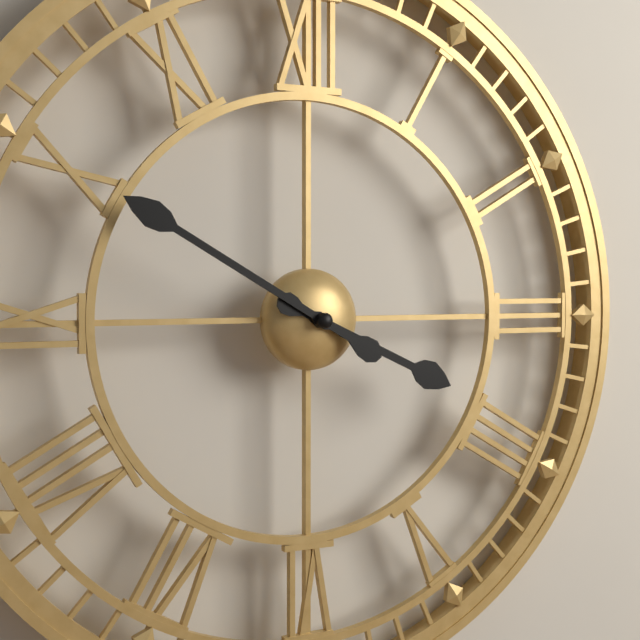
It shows 3:50
